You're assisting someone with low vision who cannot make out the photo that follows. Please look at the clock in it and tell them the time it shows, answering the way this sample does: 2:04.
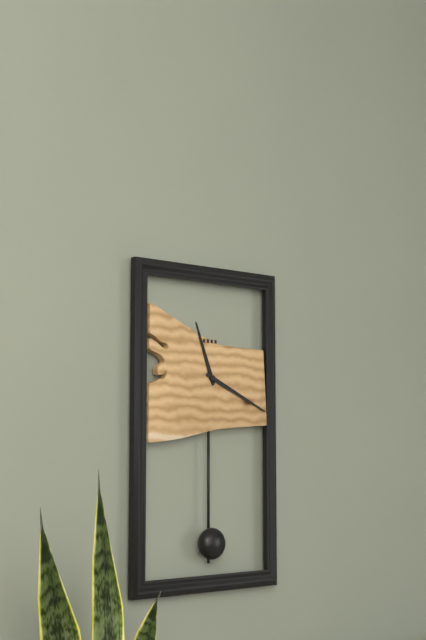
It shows 11:19
